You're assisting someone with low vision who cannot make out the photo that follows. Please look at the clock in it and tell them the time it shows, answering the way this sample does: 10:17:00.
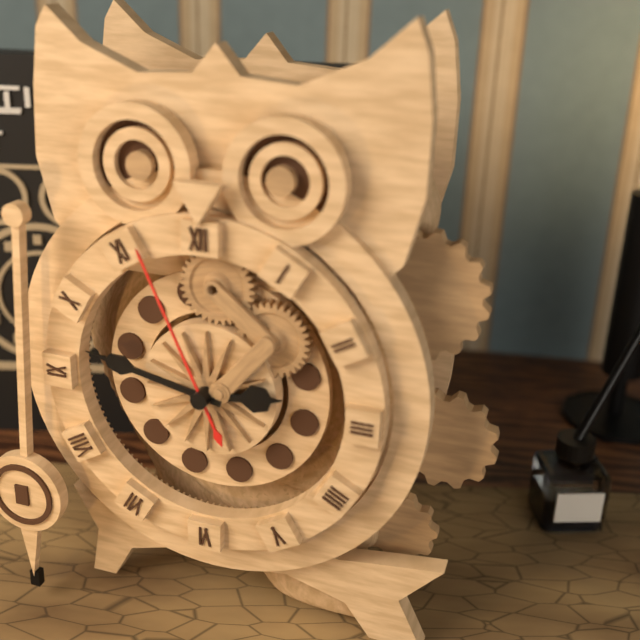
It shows 2:47:56
